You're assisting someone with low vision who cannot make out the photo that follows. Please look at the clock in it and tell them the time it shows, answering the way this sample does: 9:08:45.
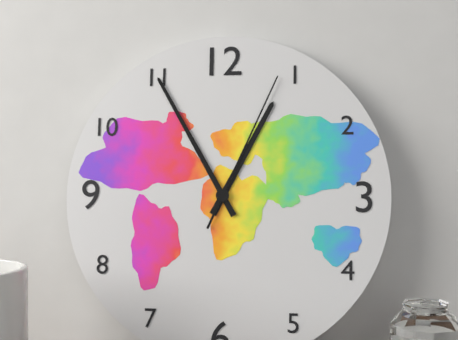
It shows 12:55:04
